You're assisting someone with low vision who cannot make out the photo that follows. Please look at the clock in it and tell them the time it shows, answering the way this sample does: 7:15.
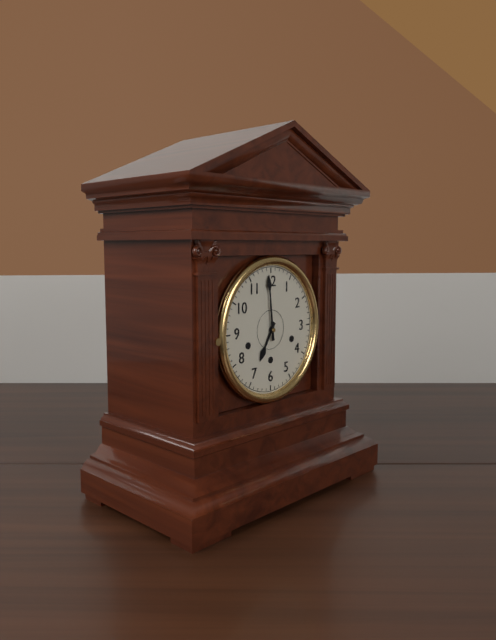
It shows 6:59
